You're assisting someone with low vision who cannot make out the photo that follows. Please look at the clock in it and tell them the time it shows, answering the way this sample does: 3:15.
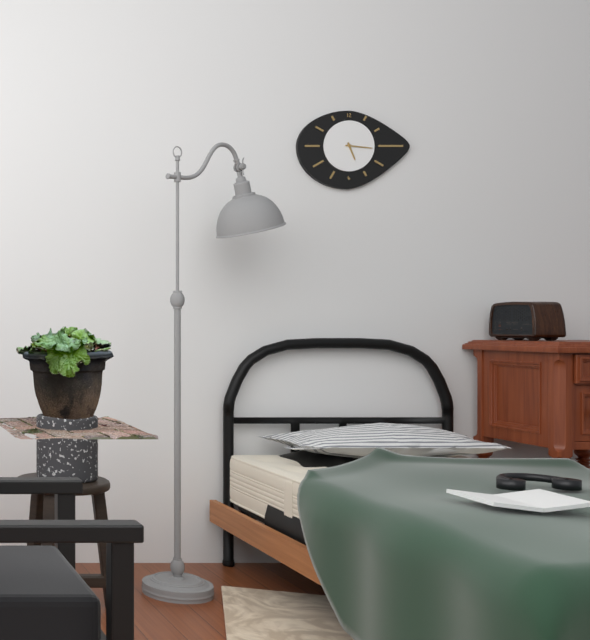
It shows 5:16
